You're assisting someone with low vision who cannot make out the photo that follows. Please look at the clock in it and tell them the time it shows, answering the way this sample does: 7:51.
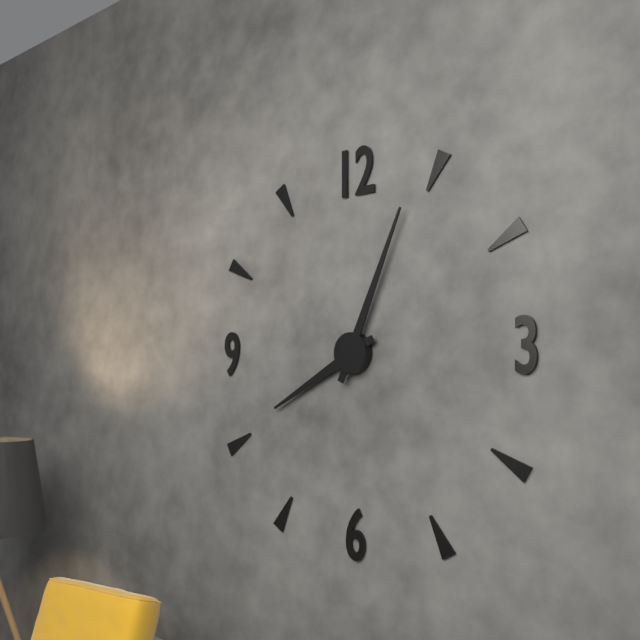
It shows 8:04
